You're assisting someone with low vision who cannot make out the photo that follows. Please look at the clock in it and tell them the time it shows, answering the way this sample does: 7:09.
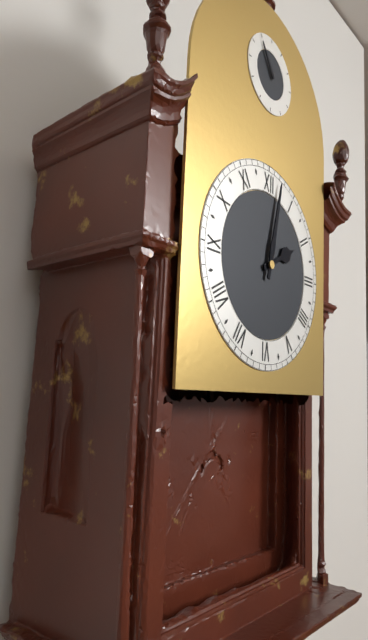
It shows 2:02
